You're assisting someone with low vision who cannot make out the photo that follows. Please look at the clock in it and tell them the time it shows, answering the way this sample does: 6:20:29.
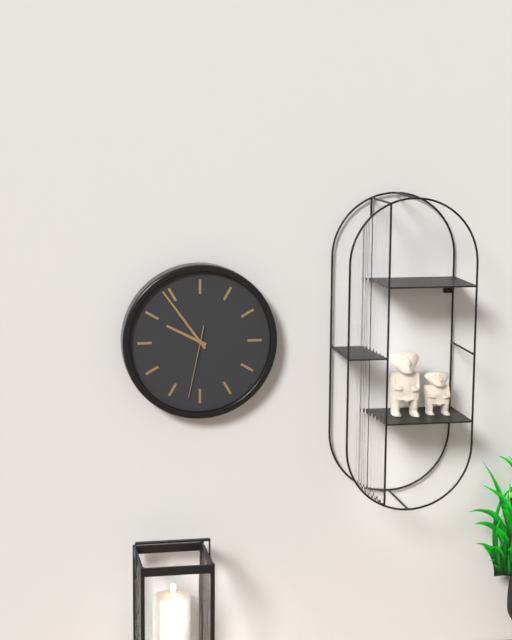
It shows 9:54:32
